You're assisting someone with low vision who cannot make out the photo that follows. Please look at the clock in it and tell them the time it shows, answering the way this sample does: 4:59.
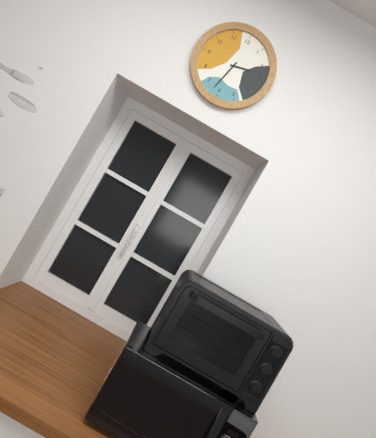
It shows 2:32
